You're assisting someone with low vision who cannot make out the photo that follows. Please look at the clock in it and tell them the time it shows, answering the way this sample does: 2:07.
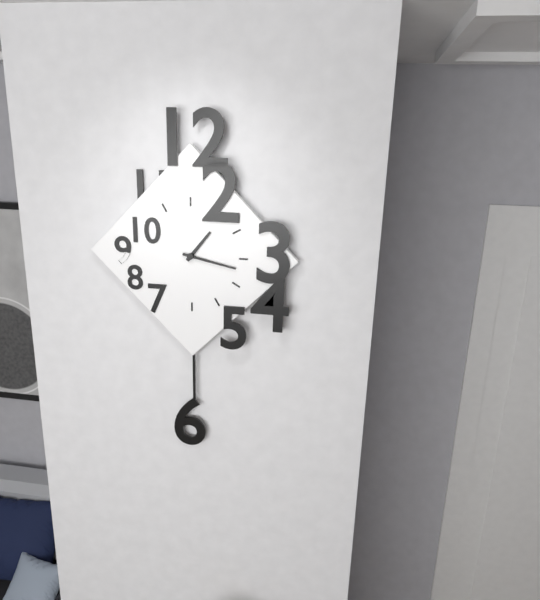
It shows 1:17
